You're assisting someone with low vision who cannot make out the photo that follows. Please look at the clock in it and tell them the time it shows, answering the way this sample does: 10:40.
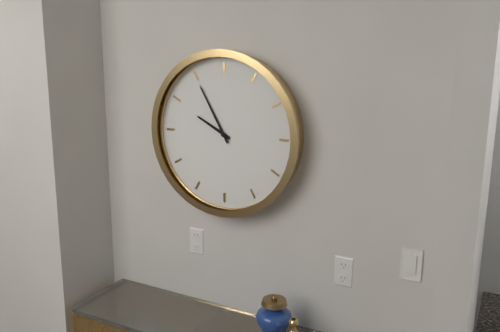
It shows 9:55
